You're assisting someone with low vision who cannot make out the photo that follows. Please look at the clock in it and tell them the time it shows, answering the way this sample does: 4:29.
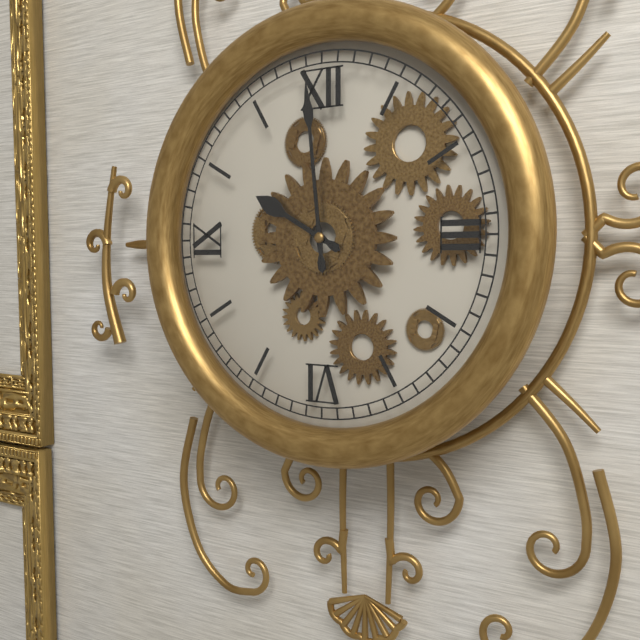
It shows 9:59
